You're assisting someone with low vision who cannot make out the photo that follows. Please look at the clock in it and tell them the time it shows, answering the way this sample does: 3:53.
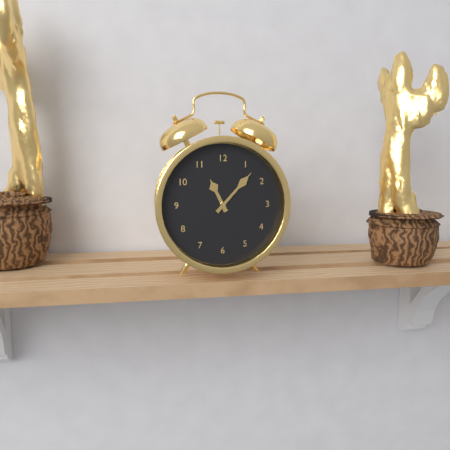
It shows 11:07
